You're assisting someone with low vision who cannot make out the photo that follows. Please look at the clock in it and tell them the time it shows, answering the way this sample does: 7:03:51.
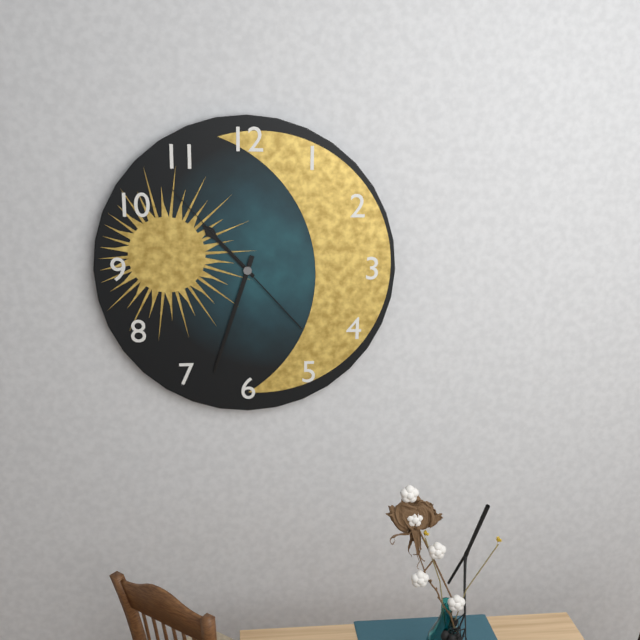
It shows 10:33:53
